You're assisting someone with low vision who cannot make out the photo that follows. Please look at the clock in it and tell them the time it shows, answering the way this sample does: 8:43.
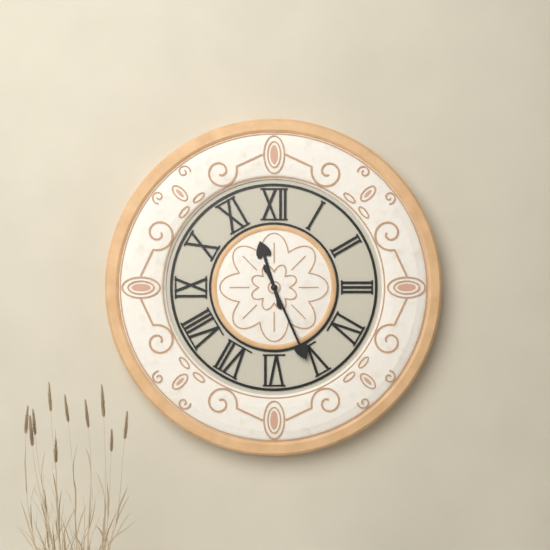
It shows 11:26
